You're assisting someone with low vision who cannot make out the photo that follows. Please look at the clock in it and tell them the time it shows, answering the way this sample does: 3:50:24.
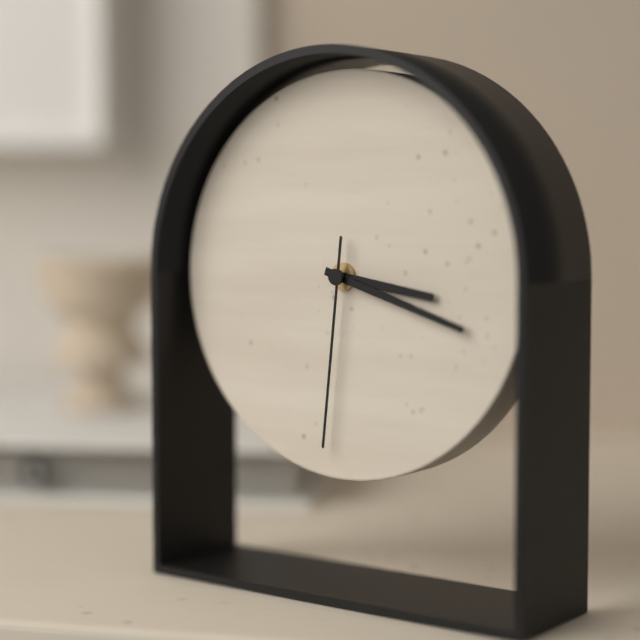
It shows 3:18:31
